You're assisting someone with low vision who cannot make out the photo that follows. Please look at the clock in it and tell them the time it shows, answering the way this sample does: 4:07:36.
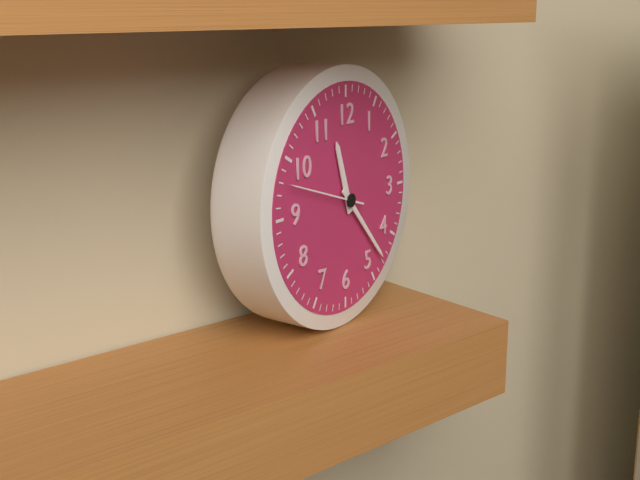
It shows 11:23:48
